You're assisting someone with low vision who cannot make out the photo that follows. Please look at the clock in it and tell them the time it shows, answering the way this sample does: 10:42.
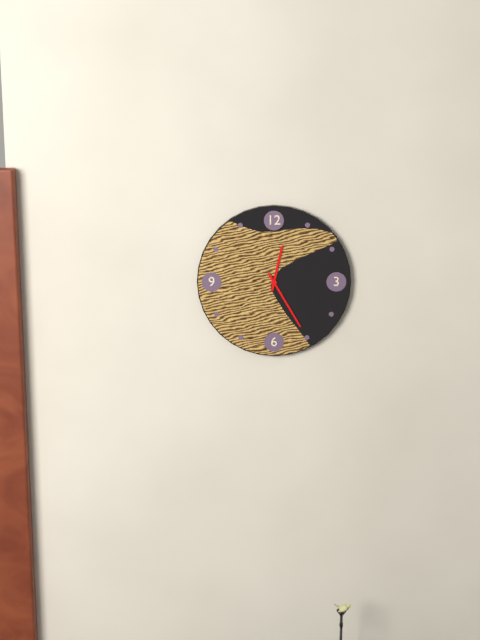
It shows 12:25
